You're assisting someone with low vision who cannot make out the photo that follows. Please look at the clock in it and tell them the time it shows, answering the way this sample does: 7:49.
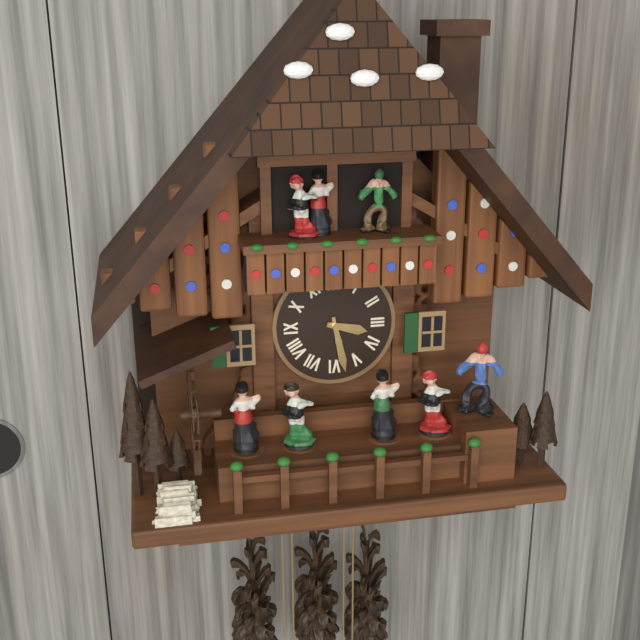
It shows 3:28
